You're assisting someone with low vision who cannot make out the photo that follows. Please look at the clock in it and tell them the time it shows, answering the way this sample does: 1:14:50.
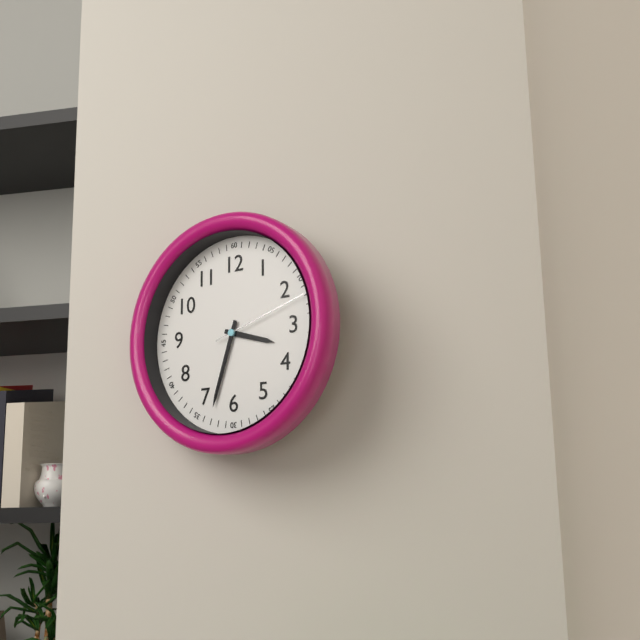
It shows 3:33:12
